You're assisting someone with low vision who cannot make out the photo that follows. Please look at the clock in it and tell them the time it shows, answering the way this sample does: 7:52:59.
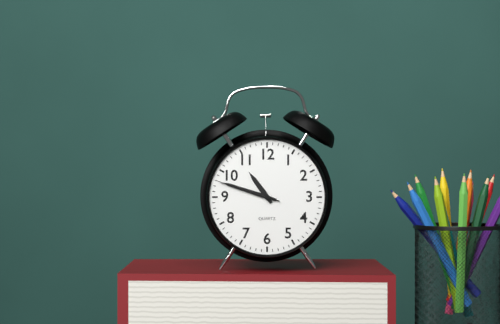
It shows 10:48:48
